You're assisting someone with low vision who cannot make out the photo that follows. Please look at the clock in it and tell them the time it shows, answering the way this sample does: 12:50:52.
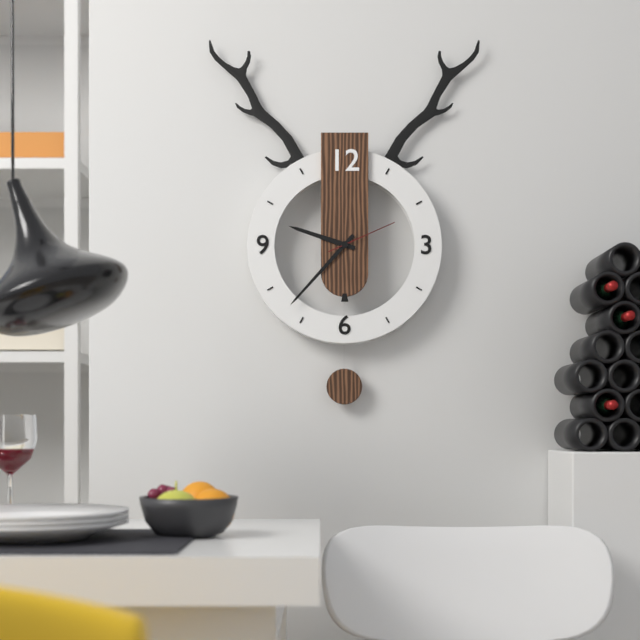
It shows 9:37:11
